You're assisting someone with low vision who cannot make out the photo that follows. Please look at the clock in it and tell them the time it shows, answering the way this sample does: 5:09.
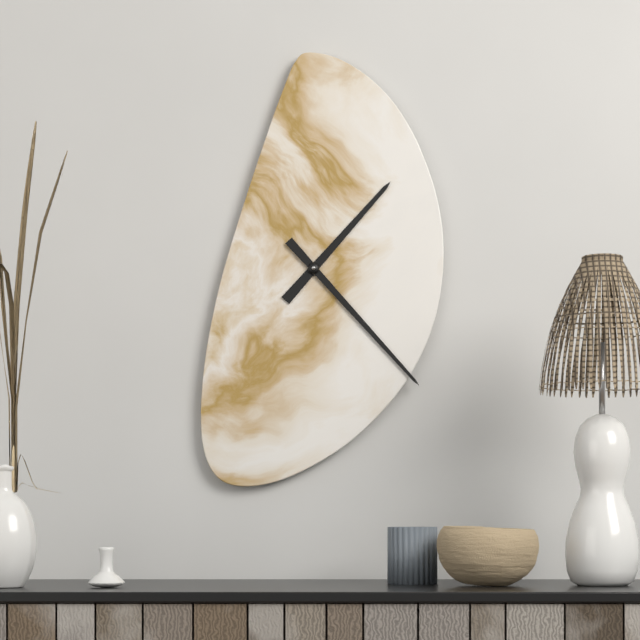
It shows 1:23
